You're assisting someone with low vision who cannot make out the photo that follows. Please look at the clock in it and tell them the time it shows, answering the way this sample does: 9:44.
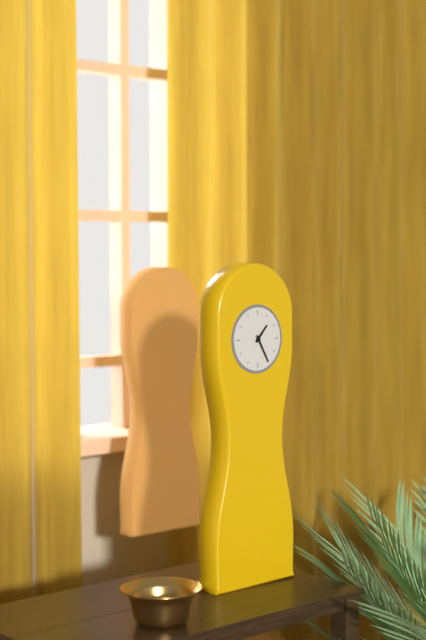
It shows 1:25
